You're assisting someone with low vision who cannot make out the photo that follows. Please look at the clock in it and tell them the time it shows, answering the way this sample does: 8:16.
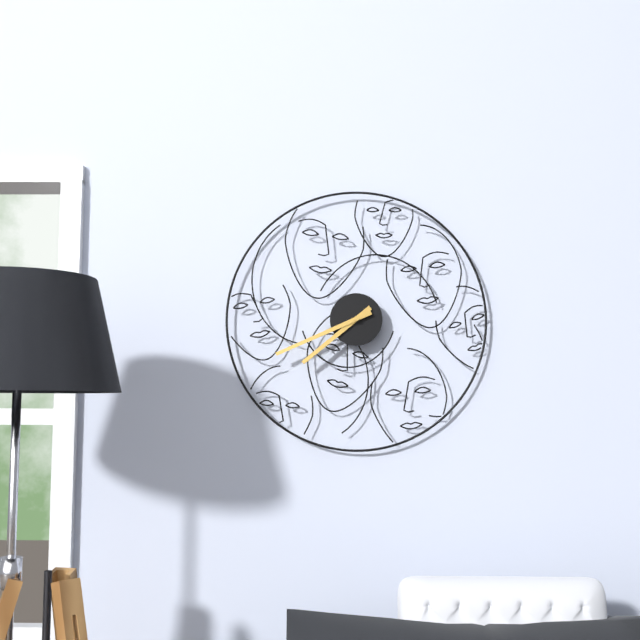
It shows 7:41
